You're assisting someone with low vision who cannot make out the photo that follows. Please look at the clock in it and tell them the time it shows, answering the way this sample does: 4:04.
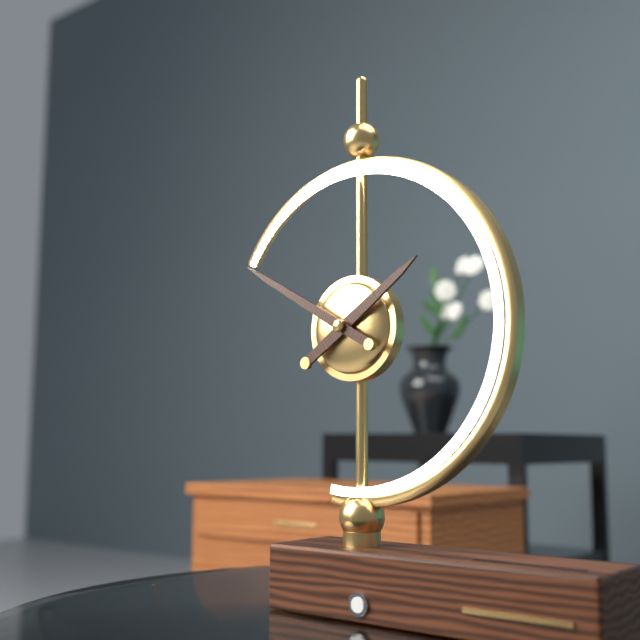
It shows 1:50
